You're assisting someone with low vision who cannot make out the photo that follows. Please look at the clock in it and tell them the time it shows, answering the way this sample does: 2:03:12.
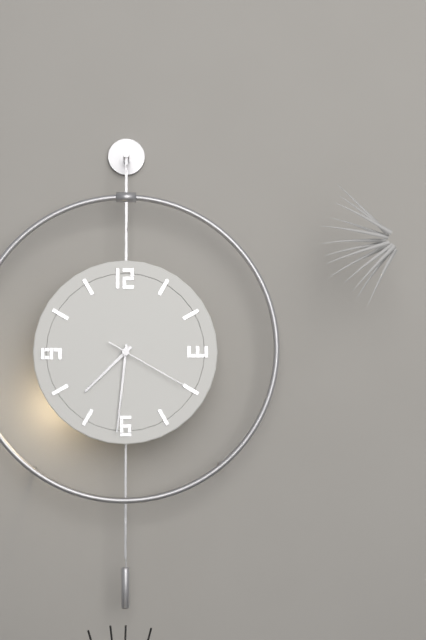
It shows 7:31:20
